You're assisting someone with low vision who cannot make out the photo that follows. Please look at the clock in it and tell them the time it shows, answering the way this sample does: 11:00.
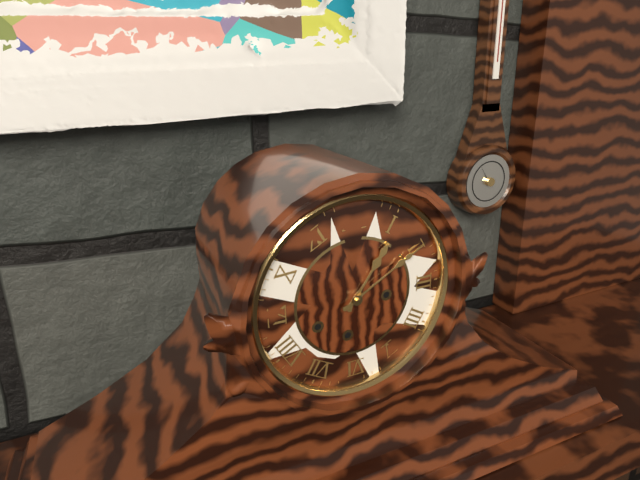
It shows 1:10
